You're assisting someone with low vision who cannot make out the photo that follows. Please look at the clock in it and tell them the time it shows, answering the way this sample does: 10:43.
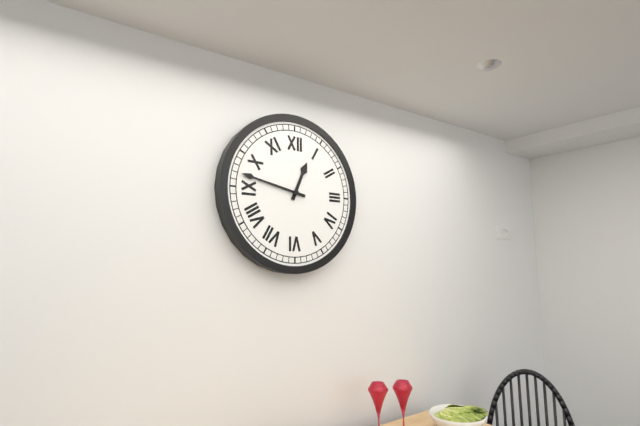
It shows 12:47
